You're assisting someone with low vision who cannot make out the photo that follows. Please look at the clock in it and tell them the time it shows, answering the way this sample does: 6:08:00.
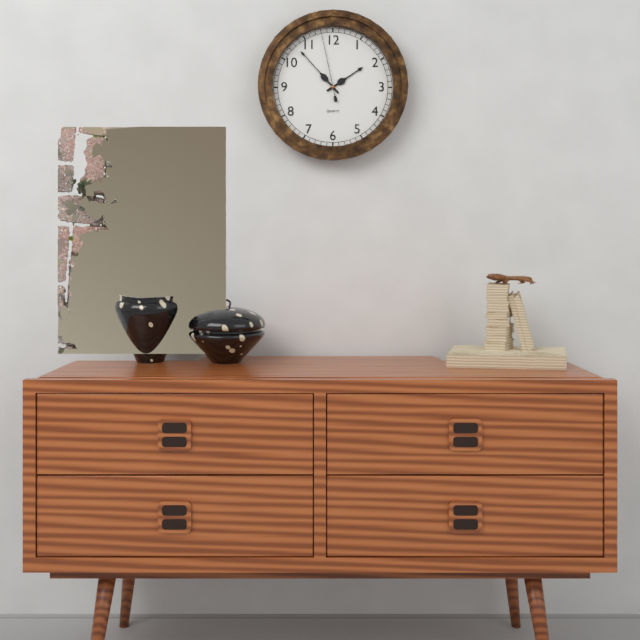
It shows 1:53:58
